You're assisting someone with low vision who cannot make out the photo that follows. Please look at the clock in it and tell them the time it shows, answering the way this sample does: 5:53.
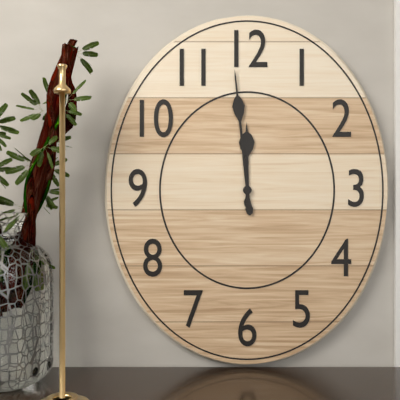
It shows 11:59
